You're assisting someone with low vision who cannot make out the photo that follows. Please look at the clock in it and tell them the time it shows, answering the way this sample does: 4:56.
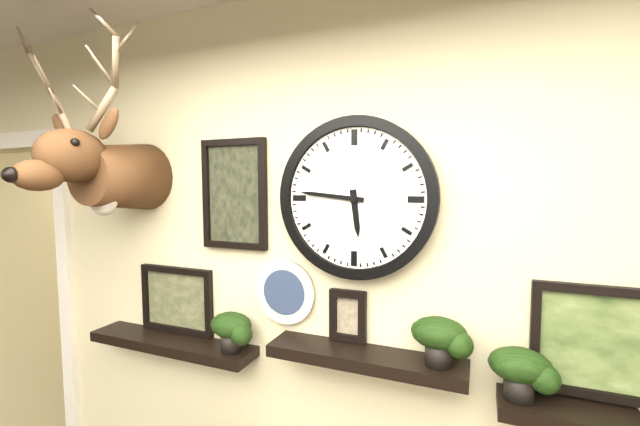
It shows 5:46
